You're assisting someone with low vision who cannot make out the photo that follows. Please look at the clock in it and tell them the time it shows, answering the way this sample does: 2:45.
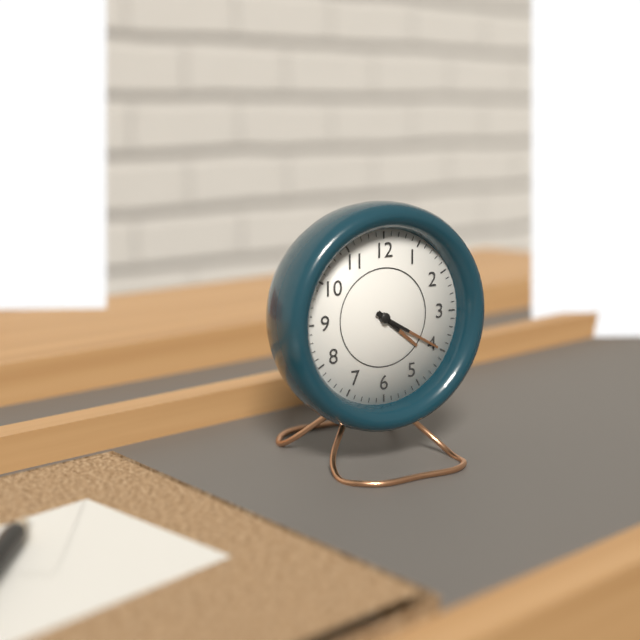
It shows 4:20
